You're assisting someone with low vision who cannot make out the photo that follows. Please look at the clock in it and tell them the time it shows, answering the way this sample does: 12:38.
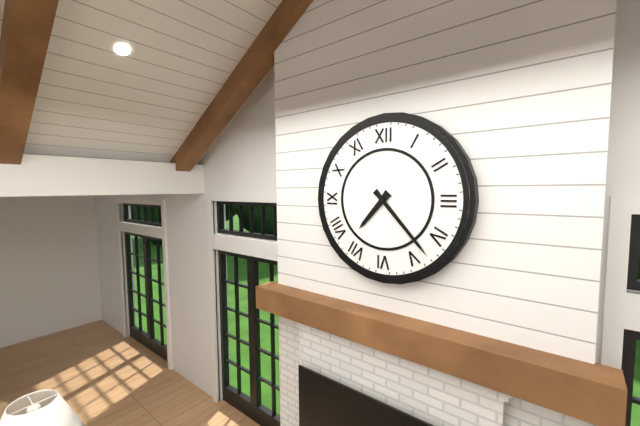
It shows 7:23
